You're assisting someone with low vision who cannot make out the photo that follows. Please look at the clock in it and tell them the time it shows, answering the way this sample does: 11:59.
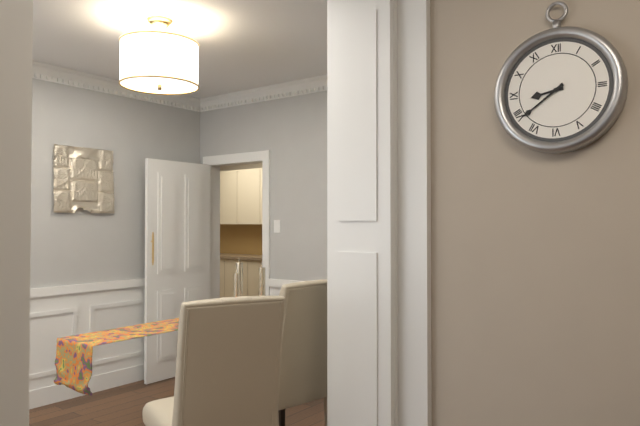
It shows 8:39
